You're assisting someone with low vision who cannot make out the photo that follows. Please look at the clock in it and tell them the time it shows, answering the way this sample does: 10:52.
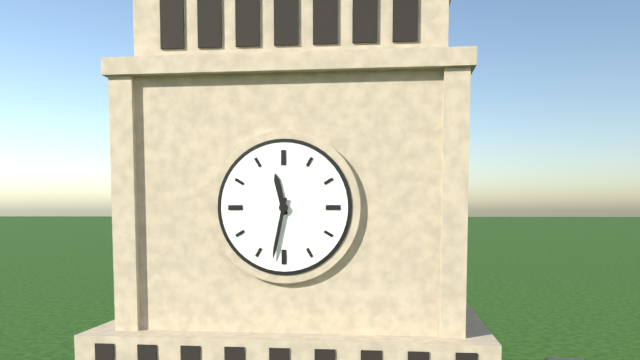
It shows 11:32
